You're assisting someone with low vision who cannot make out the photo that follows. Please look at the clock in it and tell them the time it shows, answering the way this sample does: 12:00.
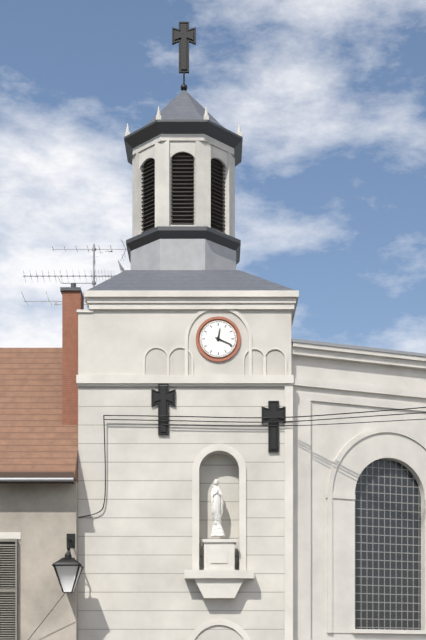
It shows 12:19
